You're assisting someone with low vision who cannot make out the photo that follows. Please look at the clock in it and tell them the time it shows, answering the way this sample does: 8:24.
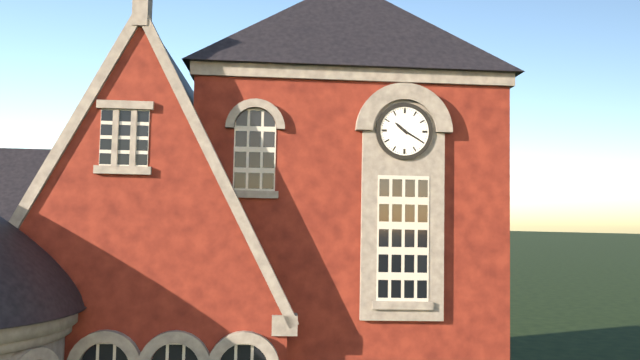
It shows 10:20
